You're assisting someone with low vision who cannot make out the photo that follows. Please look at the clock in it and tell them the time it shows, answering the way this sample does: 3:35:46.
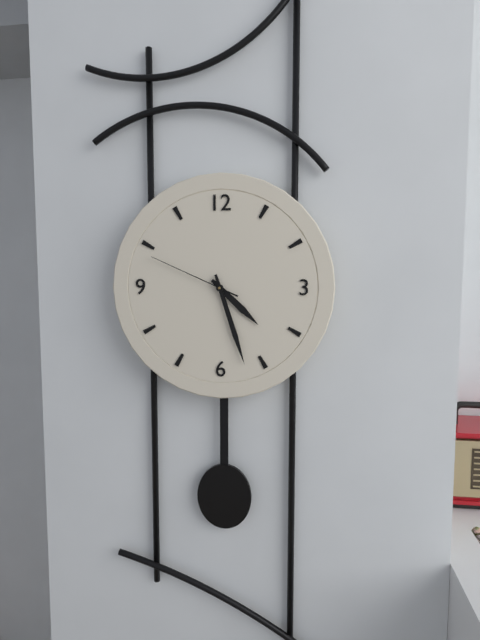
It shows 4:27:49
